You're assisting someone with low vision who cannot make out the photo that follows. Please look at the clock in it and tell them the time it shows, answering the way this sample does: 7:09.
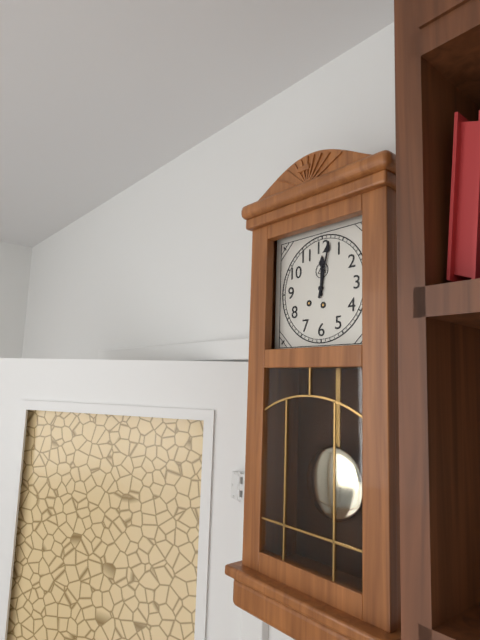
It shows 12:02
